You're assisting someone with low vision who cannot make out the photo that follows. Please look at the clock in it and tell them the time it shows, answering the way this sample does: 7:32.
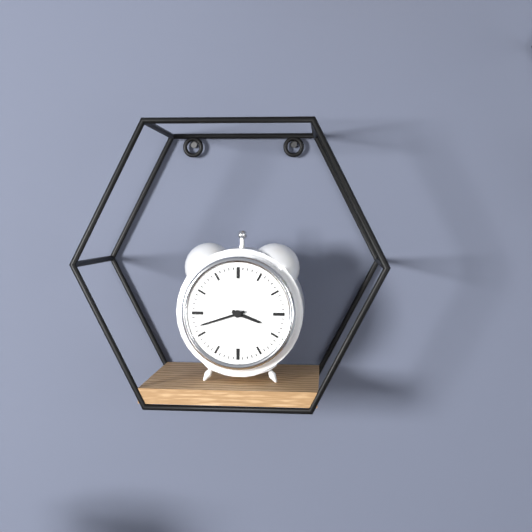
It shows 3:42
